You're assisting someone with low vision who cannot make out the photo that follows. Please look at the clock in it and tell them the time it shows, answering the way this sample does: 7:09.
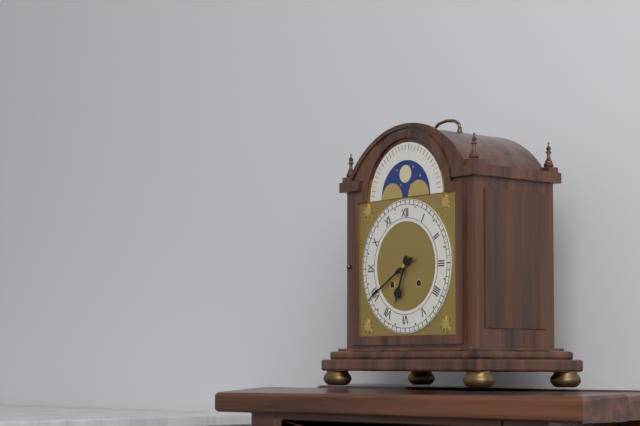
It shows 6:40
